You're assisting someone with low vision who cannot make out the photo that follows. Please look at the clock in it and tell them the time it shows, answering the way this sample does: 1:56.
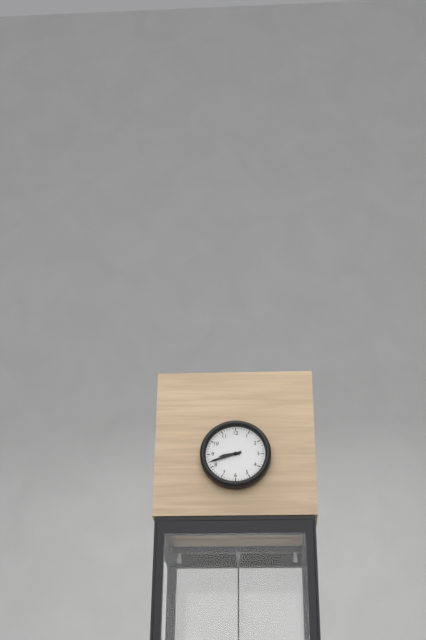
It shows 8:42
